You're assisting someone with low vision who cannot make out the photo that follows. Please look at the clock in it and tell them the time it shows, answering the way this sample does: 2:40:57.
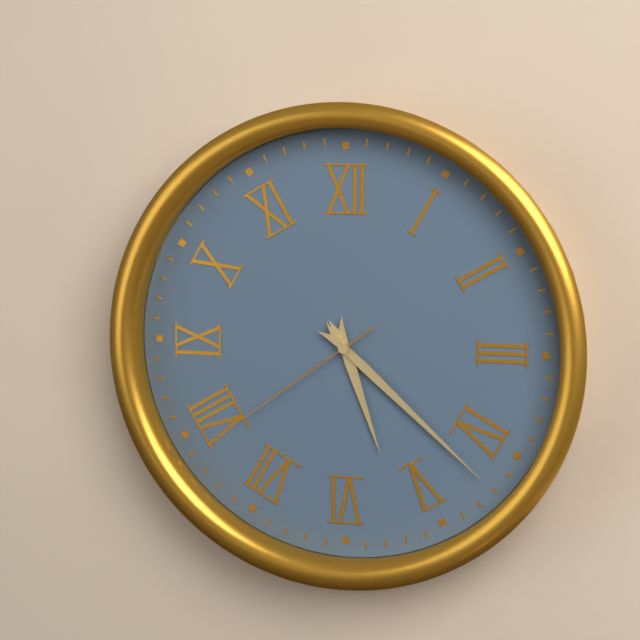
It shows 5:22:39
